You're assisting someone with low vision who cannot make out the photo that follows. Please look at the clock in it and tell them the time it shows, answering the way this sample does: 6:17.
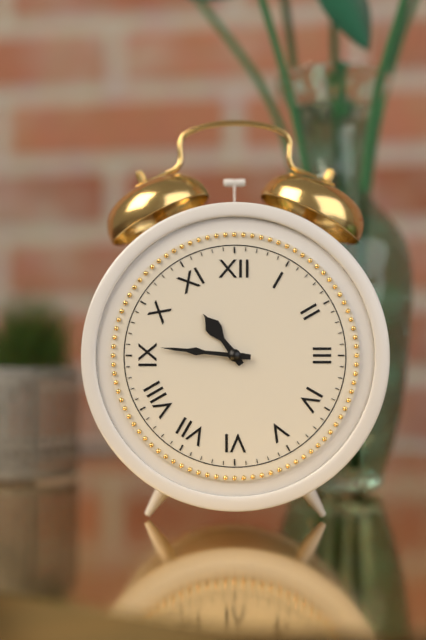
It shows 10:46
